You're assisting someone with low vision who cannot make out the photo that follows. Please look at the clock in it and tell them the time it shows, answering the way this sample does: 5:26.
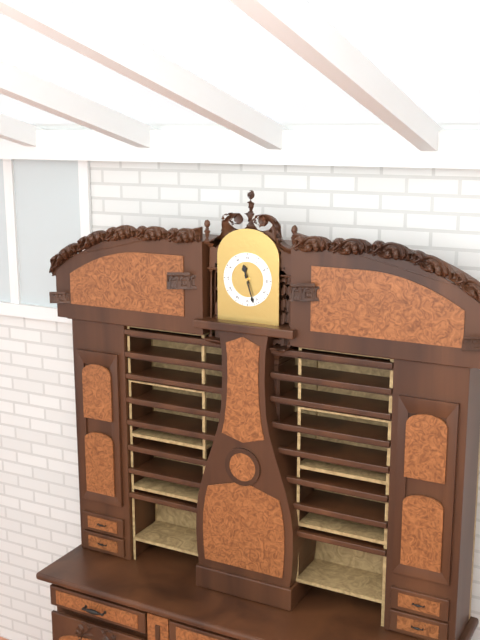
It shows 11:27
